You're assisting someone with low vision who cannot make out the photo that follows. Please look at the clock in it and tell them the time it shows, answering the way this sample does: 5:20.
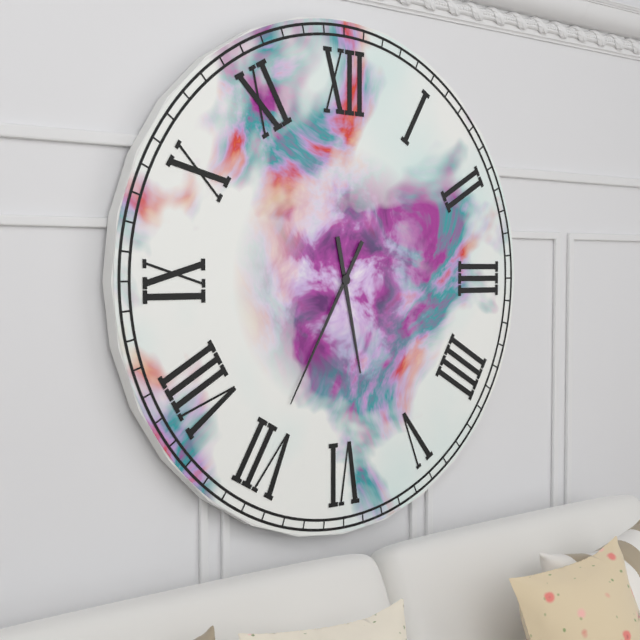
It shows 5:35
